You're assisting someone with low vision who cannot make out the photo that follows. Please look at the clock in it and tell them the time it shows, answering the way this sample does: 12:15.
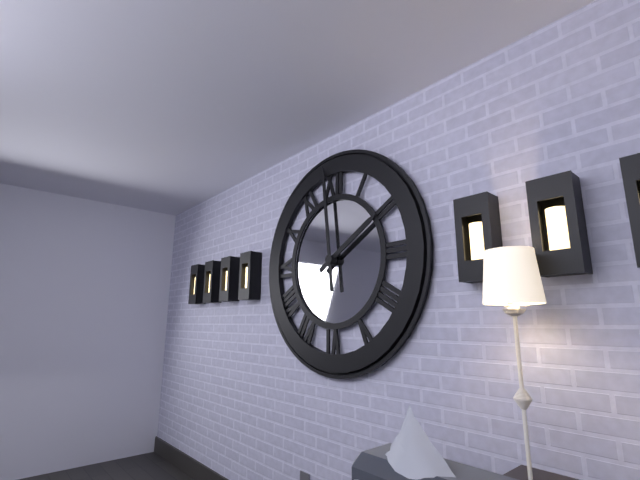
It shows 1:59
